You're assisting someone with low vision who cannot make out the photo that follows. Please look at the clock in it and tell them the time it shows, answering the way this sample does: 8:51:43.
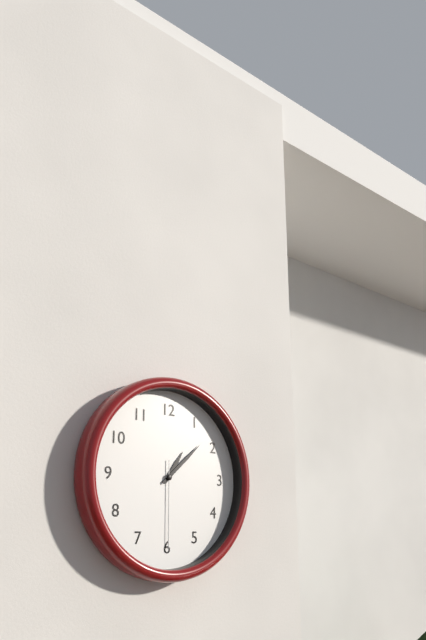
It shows 1:08:30
